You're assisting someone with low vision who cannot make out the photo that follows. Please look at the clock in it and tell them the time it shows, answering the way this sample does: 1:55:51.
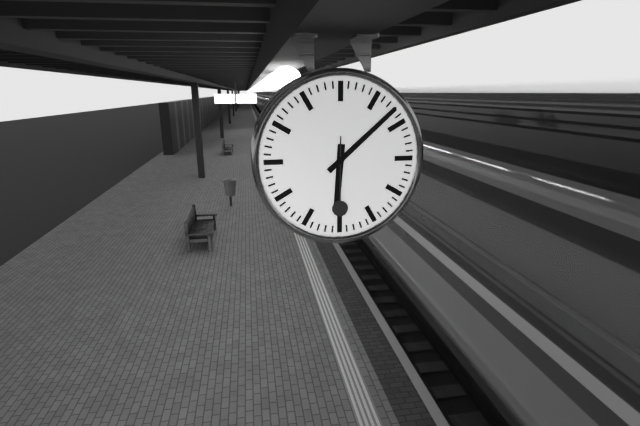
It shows 6:08:30
